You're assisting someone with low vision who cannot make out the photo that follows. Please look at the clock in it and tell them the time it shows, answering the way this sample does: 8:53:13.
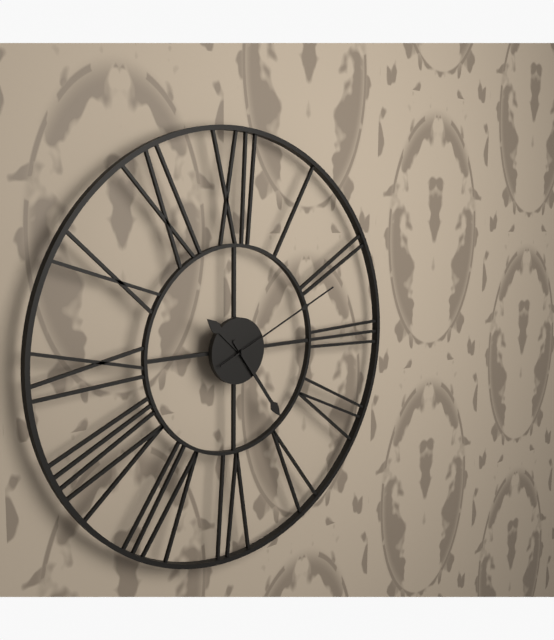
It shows 10:24:11
